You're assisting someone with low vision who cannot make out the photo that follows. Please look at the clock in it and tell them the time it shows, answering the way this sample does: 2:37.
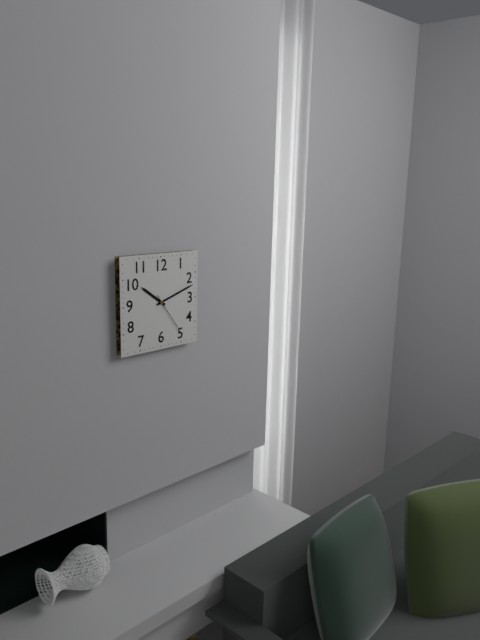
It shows 10:12
